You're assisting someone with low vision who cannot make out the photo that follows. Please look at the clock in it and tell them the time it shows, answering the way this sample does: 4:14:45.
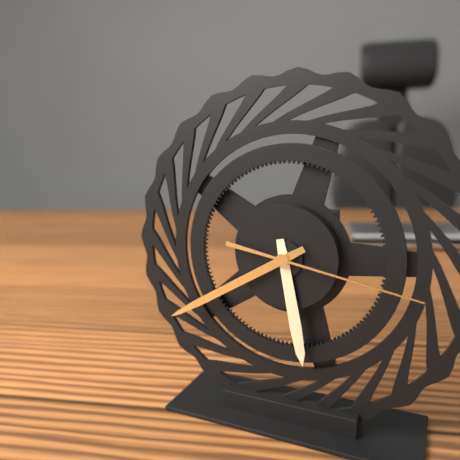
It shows 5:40:17
